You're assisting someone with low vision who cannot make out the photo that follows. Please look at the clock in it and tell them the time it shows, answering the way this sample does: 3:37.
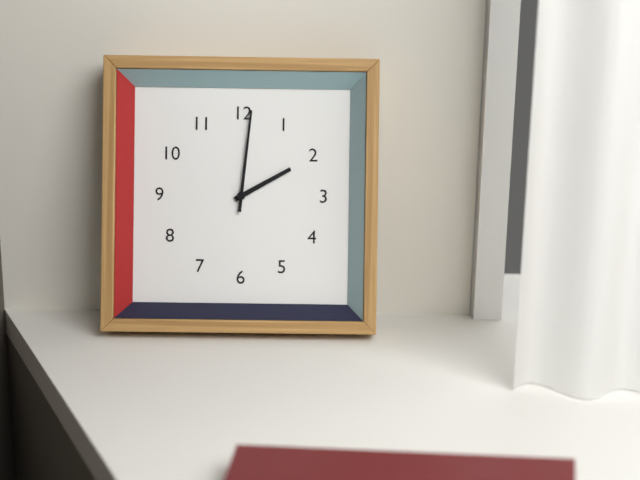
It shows 2:01
